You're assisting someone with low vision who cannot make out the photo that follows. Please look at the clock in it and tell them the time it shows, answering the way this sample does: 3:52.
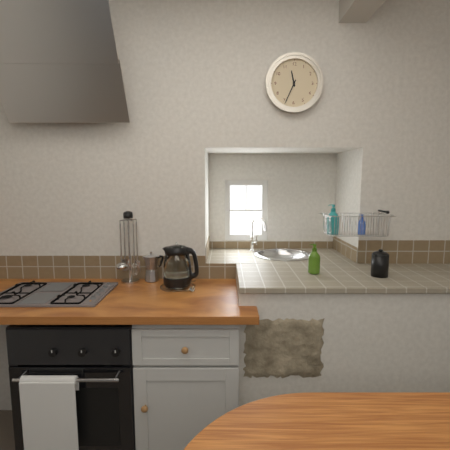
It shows 11:34
